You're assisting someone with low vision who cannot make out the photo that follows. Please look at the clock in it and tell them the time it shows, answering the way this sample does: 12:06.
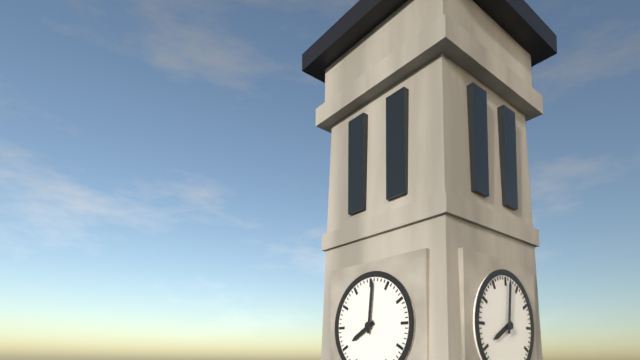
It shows 8:01
